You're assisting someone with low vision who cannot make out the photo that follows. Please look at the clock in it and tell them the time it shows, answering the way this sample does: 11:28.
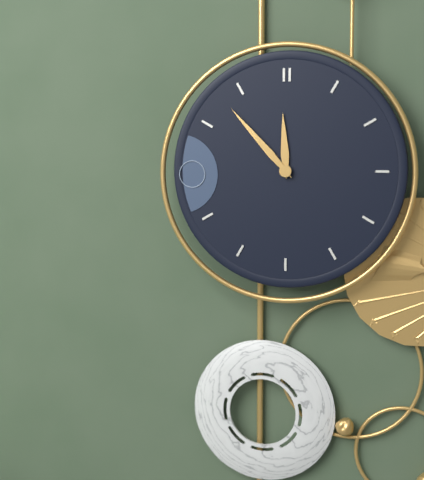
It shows 11:53
